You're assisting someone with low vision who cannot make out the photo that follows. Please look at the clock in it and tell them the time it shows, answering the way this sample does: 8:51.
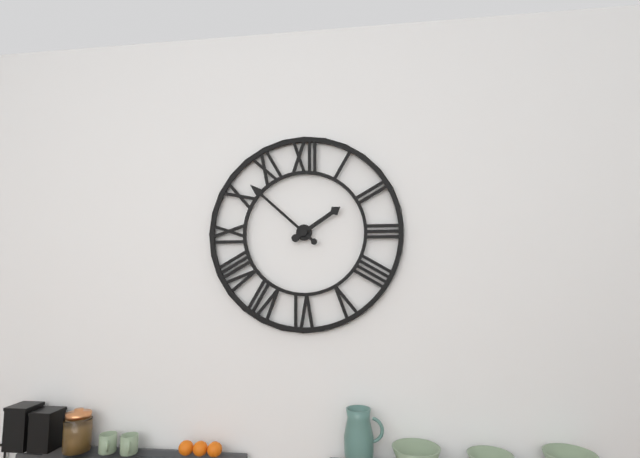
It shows 1:52
